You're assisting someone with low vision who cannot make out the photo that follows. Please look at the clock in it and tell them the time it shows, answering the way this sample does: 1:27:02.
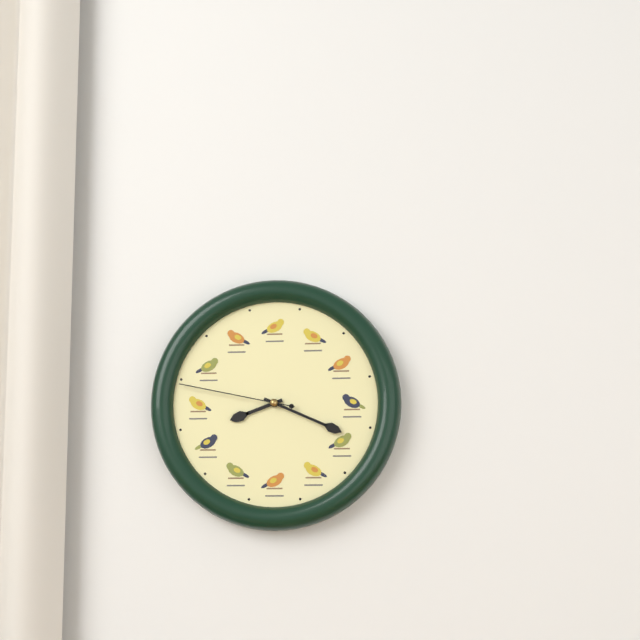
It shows 8:19:47
